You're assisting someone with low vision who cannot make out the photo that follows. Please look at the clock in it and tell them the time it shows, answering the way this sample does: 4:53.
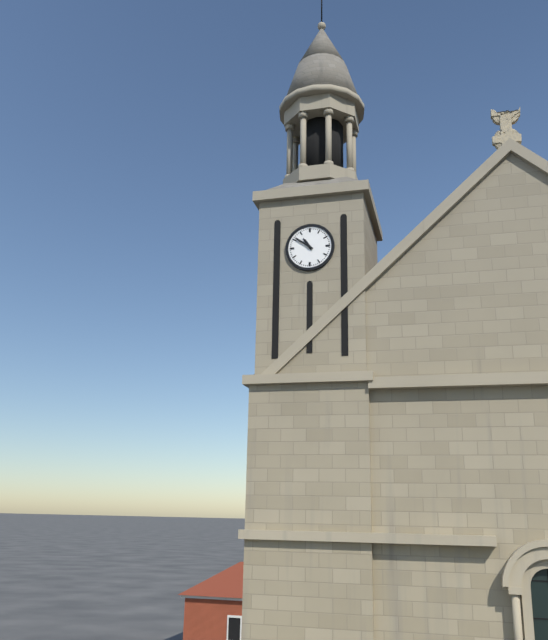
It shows 10:51
